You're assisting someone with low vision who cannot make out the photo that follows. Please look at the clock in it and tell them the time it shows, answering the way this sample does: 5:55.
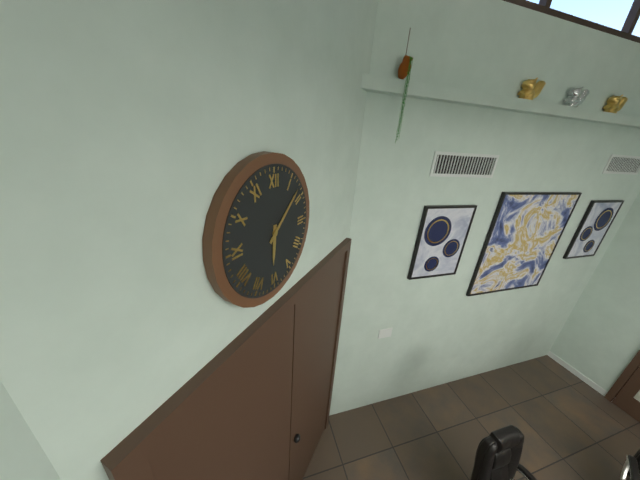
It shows 6:08
